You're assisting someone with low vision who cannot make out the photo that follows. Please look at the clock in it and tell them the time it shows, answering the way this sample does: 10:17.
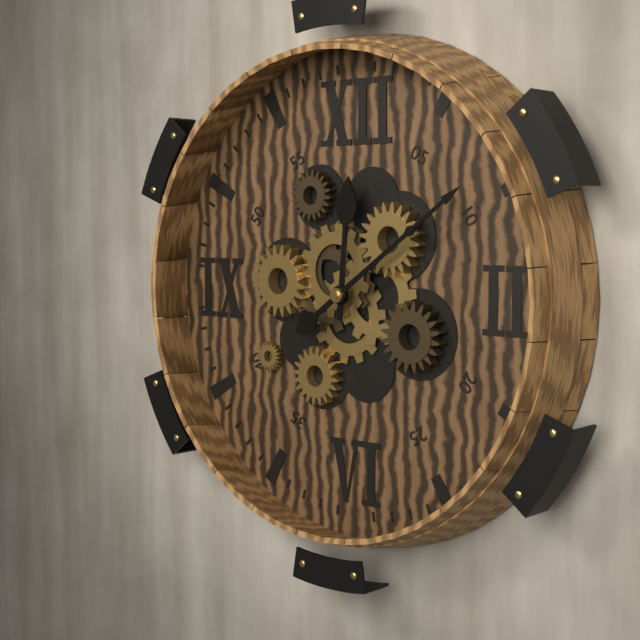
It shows 12:09
